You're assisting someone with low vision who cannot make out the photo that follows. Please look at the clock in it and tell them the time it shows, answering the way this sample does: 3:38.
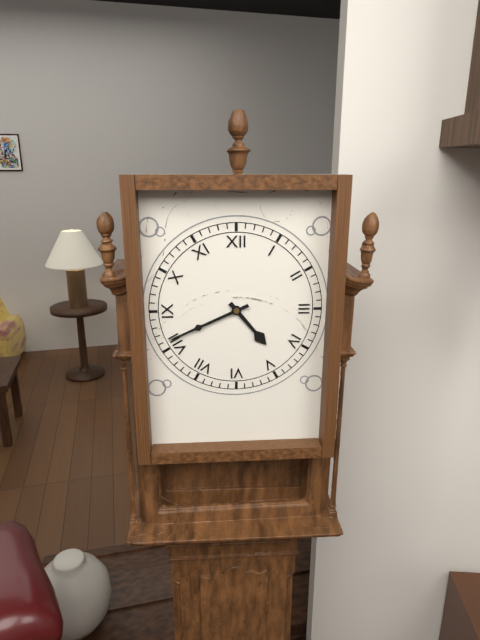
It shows 4:41
